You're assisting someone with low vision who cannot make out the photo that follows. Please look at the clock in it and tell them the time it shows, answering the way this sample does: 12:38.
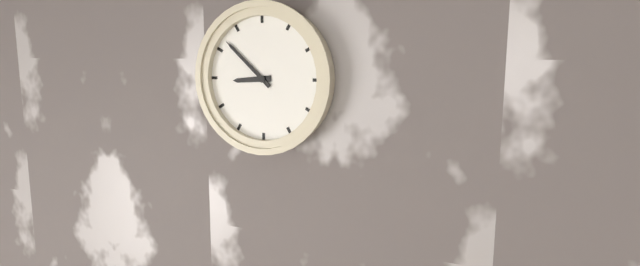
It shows 8:52
